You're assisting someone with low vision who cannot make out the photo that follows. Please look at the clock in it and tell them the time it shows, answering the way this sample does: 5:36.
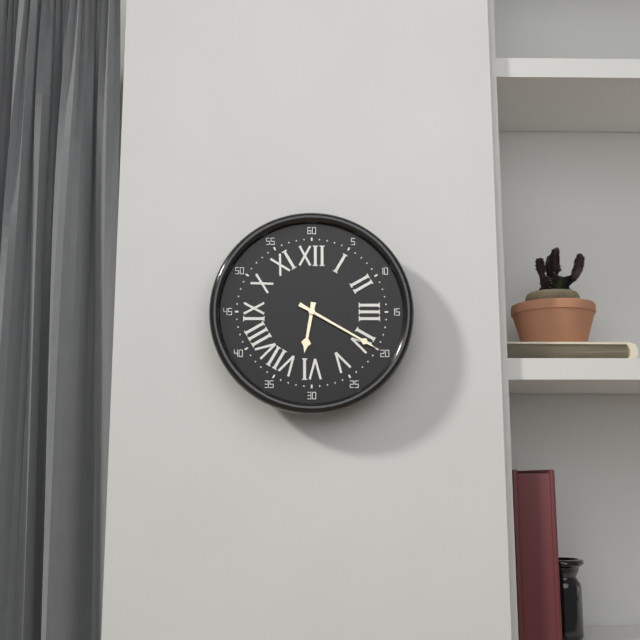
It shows 6:20
